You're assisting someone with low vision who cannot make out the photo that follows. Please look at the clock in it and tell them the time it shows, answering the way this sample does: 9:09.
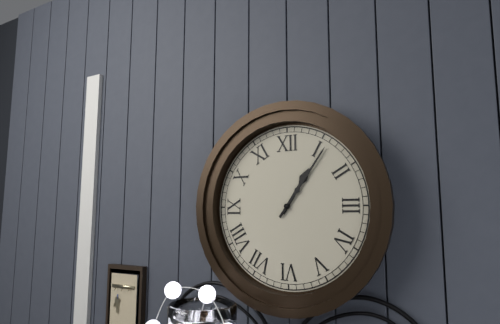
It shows 1:06
